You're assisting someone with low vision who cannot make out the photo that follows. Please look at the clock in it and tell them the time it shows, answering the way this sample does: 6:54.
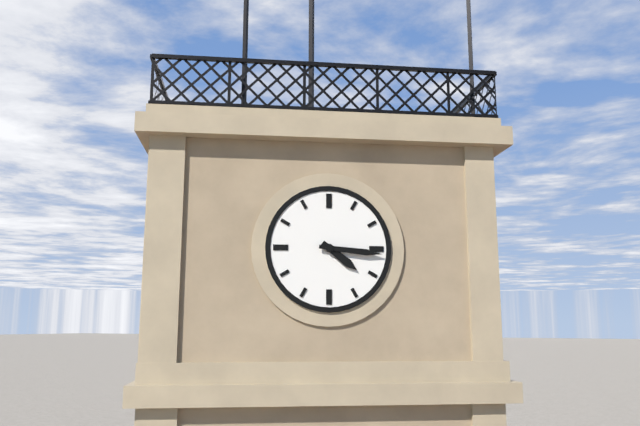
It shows 4:16
